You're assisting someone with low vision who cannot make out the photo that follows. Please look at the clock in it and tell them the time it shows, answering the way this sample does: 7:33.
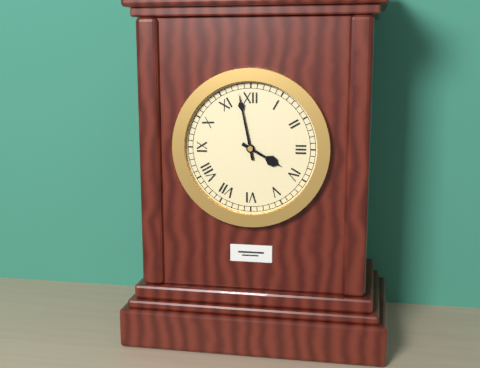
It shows 3:58
